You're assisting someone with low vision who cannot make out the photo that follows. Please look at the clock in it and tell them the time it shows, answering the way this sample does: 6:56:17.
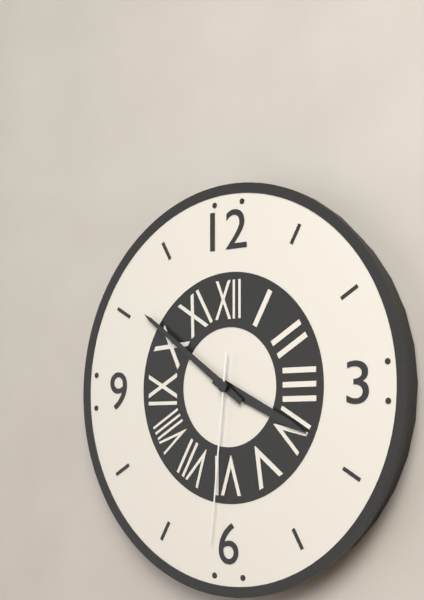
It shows 3:51:31
